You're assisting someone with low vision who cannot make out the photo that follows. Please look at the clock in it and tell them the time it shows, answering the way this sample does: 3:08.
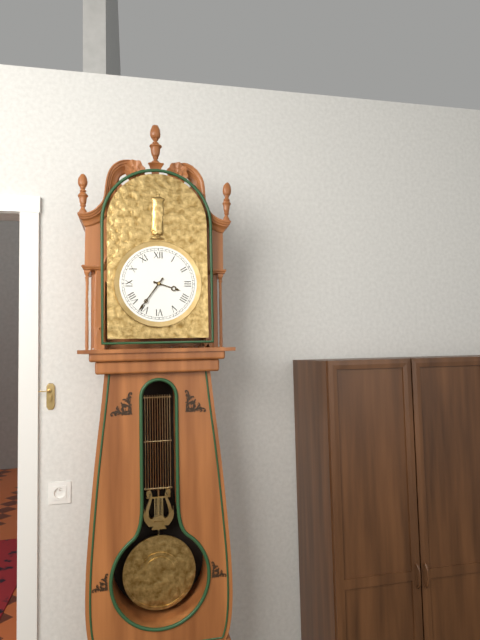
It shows 3:36
